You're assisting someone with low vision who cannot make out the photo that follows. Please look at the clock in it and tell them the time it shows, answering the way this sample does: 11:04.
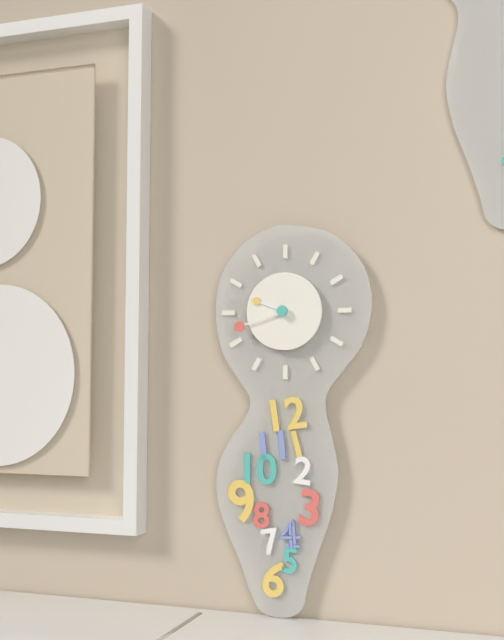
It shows 9:42
